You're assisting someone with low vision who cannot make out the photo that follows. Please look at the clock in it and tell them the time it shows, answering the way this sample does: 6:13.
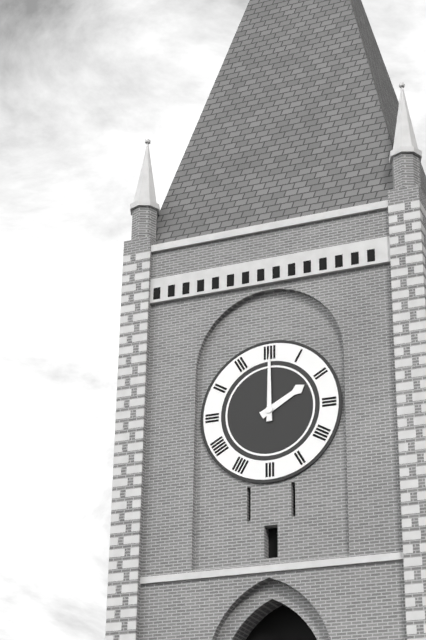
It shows 2:00
